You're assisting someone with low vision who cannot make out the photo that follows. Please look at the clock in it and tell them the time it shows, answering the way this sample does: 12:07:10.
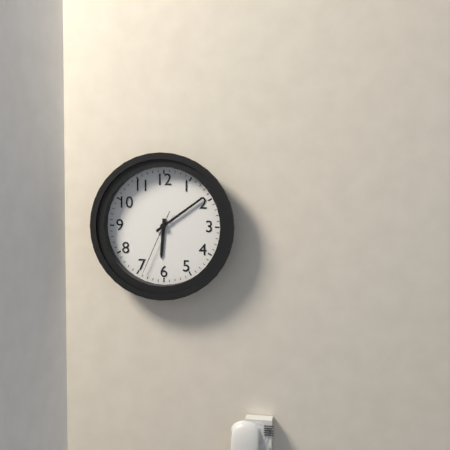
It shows 6:09:34
